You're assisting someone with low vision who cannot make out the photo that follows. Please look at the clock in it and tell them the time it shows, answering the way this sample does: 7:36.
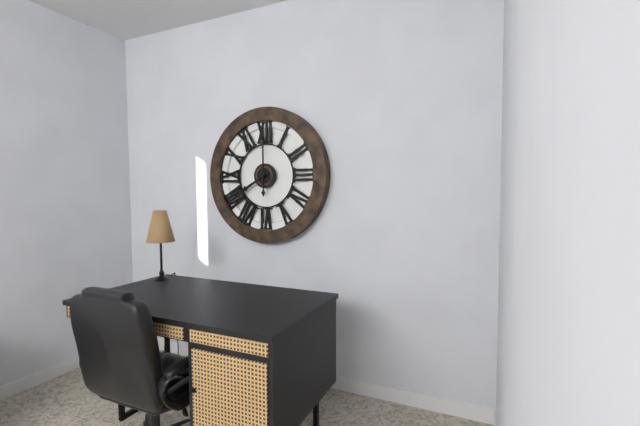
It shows 8:00
